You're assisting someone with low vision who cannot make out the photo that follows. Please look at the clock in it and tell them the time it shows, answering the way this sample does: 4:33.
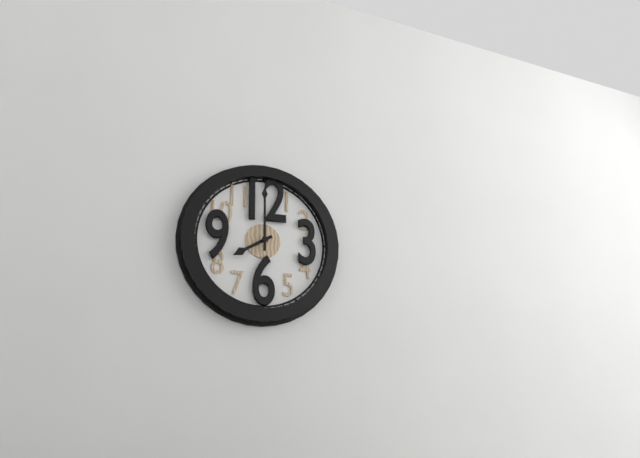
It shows 8:00
